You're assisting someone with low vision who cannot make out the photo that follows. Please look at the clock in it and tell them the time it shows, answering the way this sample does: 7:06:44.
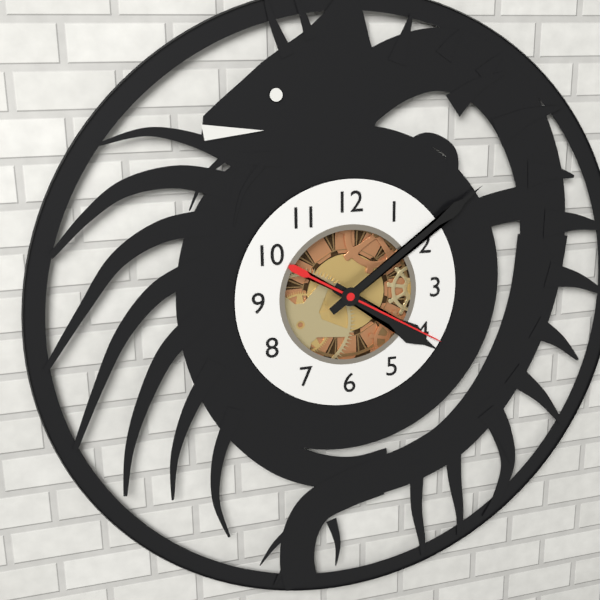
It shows 4:09:20
